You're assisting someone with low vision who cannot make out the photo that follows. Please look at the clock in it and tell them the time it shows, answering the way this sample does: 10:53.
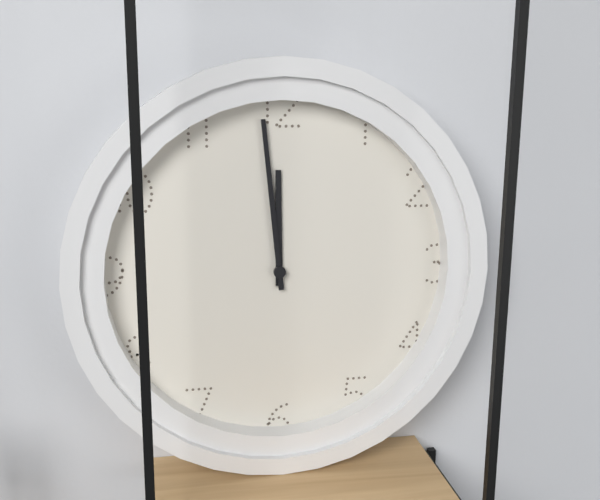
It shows 11:59
